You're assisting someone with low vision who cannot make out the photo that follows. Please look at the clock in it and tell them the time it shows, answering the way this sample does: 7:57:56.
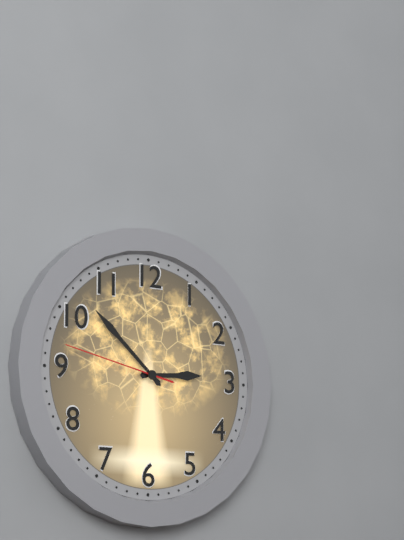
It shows 2:52:47
